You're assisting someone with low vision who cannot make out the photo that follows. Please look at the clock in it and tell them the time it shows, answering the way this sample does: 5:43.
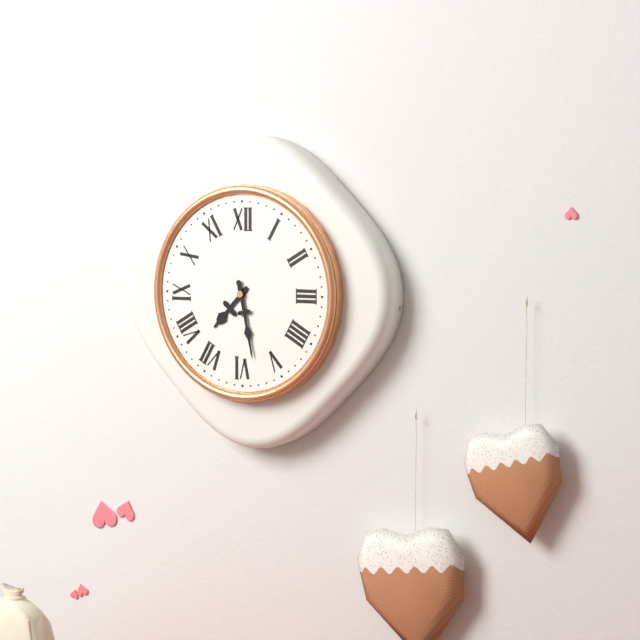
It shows 7:28
